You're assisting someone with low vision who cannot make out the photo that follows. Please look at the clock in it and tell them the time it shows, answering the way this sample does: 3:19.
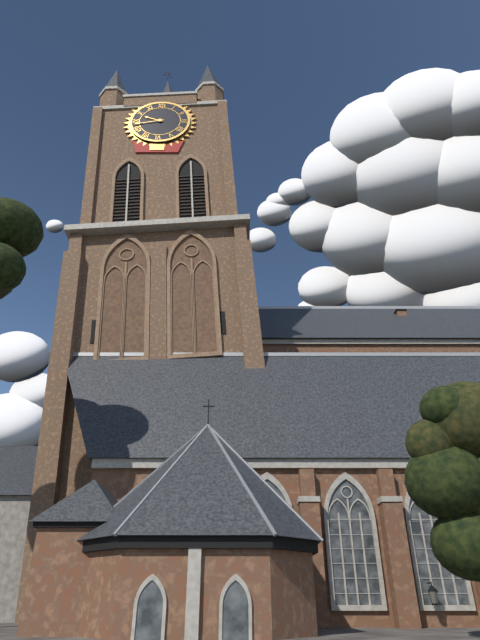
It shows 9:43
